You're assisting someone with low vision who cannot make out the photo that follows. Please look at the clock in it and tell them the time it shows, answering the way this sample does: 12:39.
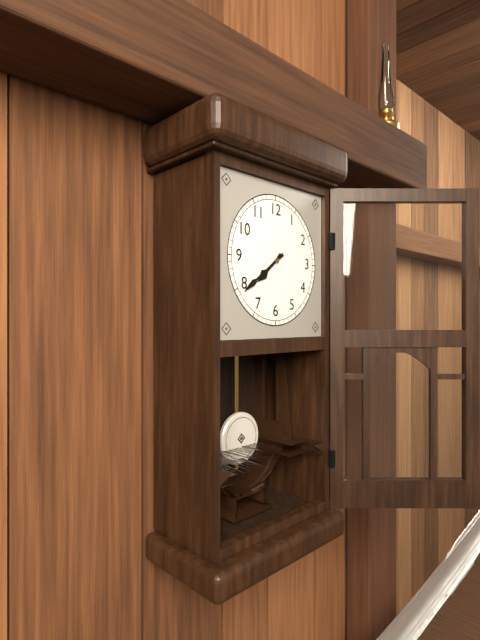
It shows 7:39
